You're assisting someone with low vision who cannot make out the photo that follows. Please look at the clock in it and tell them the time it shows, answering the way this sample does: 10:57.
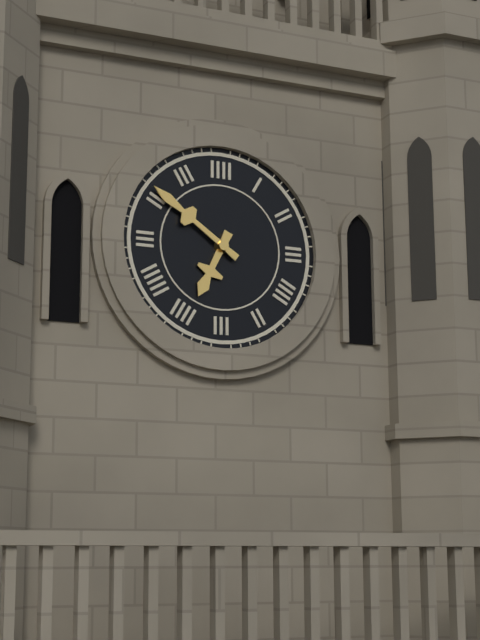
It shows 6:51
